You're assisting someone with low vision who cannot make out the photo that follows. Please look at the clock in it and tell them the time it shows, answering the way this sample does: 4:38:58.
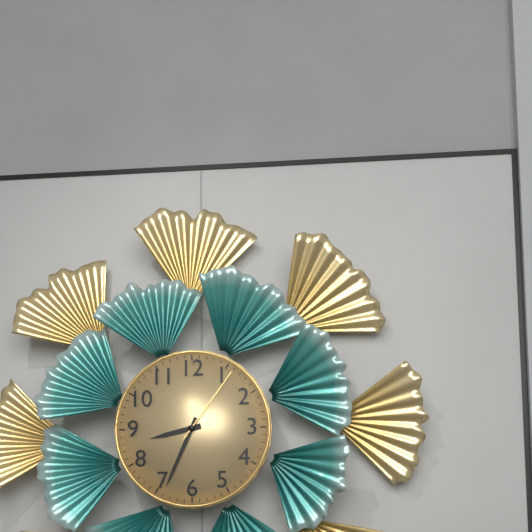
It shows 8:34:06
